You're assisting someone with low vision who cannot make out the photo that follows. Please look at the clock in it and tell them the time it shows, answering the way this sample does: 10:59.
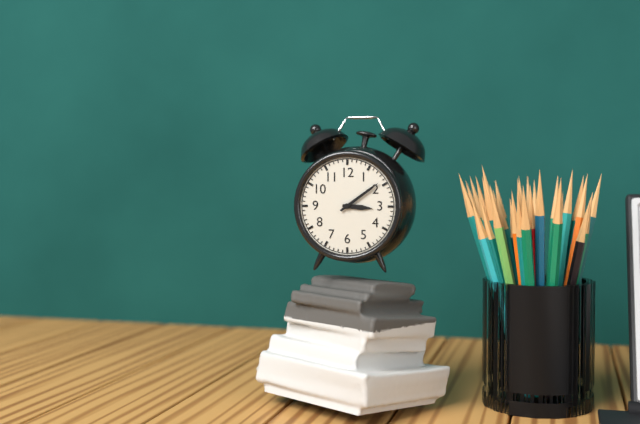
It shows 3:09
